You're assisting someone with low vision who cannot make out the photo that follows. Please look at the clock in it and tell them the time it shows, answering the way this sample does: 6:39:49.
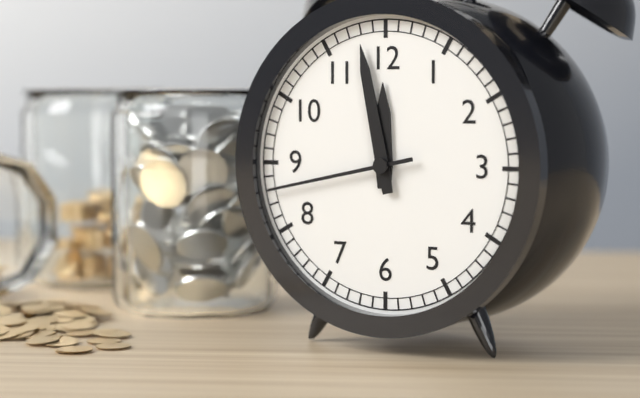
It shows 11:58:43
